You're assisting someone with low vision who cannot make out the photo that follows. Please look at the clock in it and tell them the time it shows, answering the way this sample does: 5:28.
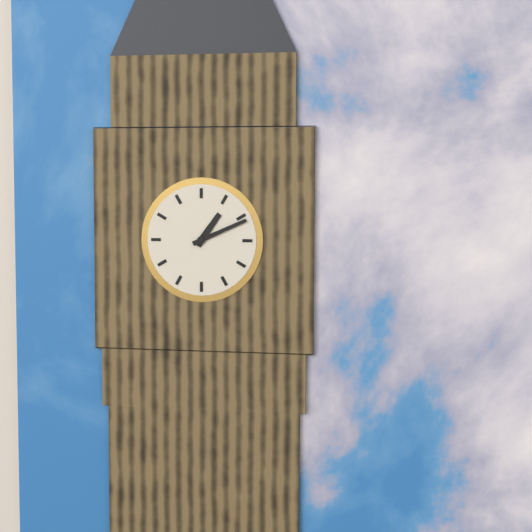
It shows 1:11
